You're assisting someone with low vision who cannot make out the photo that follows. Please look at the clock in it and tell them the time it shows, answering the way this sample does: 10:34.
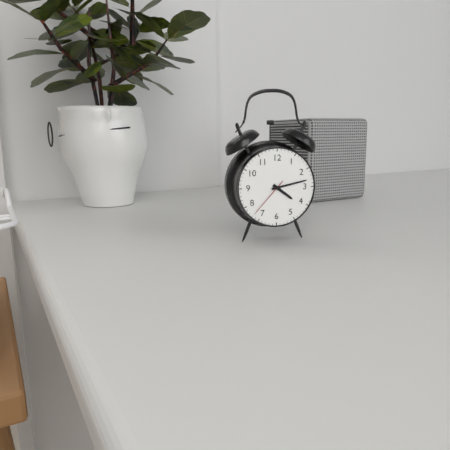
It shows 4:13
